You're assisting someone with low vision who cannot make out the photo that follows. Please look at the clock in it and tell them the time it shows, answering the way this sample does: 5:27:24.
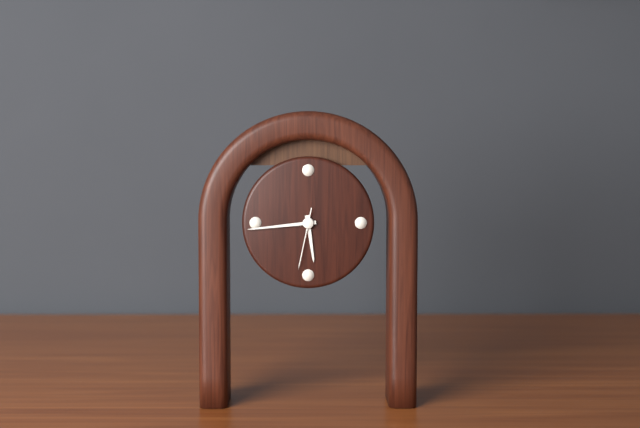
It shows 5:44:32
